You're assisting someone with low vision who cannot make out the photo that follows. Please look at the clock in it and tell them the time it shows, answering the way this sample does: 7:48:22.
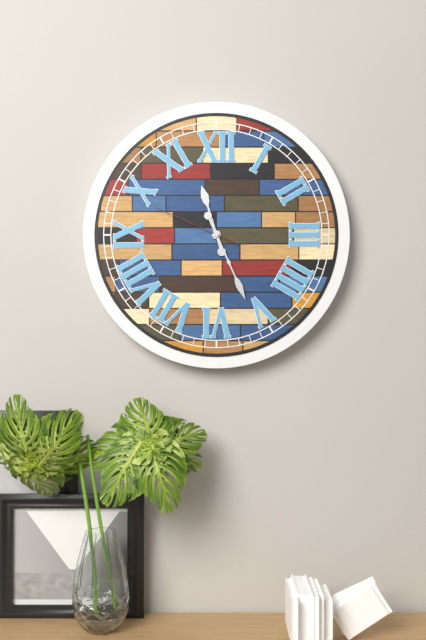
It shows 11:26:49
